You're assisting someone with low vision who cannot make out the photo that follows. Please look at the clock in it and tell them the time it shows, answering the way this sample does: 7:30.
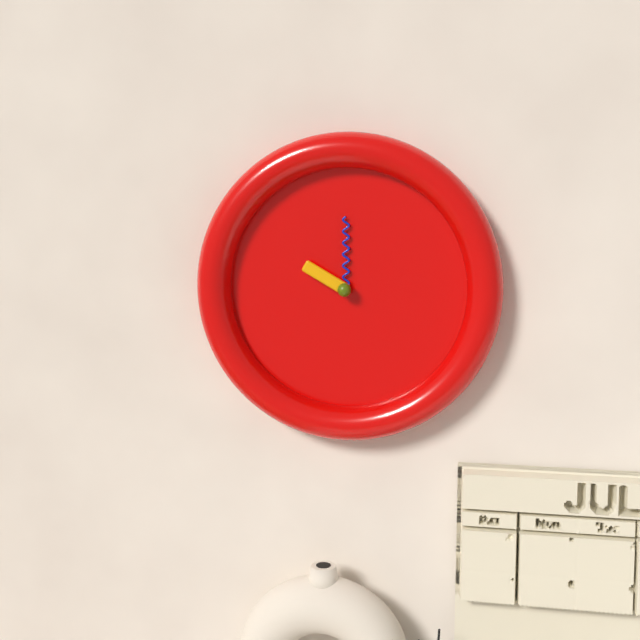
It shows 10:00
